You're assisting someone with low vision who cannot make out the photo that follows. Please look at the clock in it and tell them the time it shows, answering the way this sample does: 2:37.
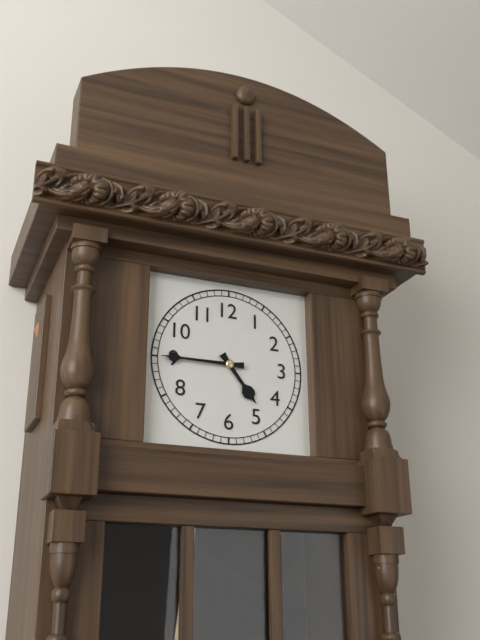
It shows 4:45
